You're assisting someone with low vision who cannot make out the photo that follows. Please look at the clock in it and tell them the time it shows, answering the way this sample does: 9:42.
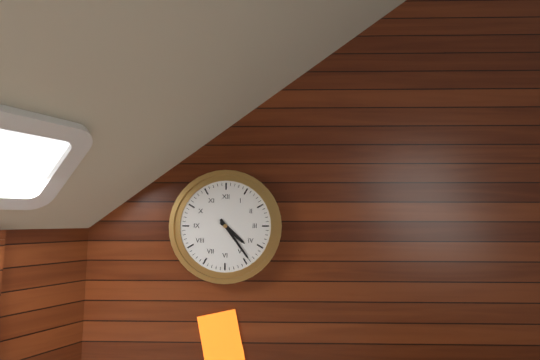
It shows 4:24
